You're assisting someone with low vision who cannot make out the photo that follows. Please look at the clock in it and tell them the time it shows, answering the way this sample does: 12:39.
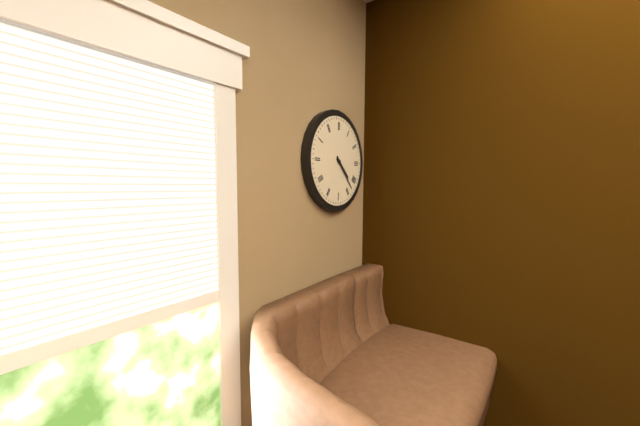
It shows 4:23
